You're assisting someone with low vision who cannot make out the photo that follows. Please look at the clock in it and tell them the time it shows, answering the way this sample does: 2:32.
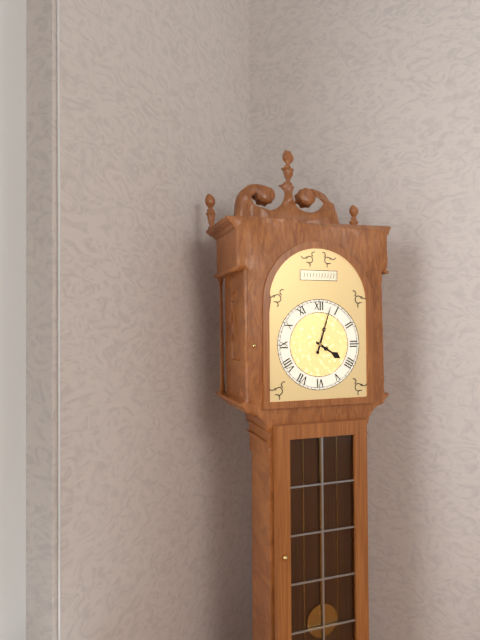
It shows 4:03
